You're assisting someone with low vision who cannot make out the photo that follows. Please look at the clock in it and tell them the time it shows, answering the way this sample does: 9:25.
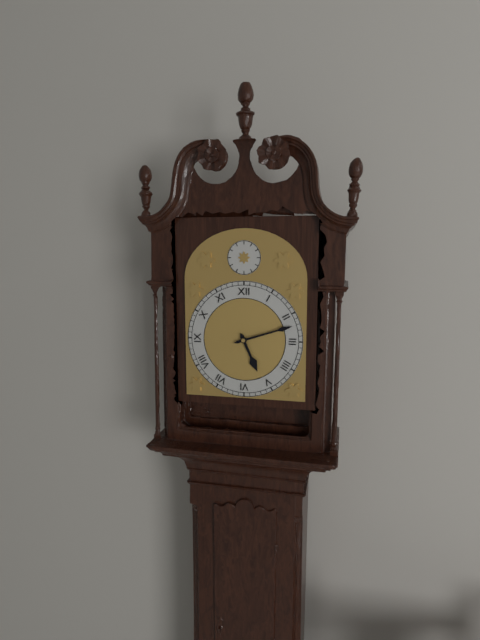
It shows 5:12
